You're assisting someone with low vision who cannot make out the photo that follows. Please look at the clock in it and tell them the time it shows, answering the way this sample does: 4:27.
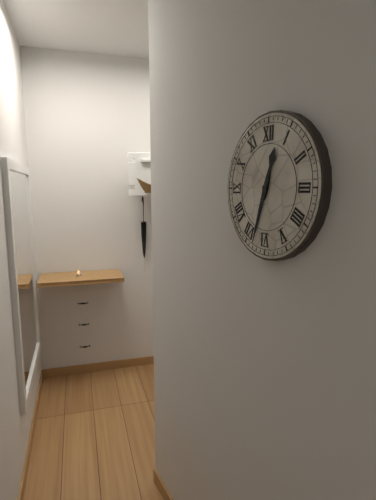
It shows 12:33
